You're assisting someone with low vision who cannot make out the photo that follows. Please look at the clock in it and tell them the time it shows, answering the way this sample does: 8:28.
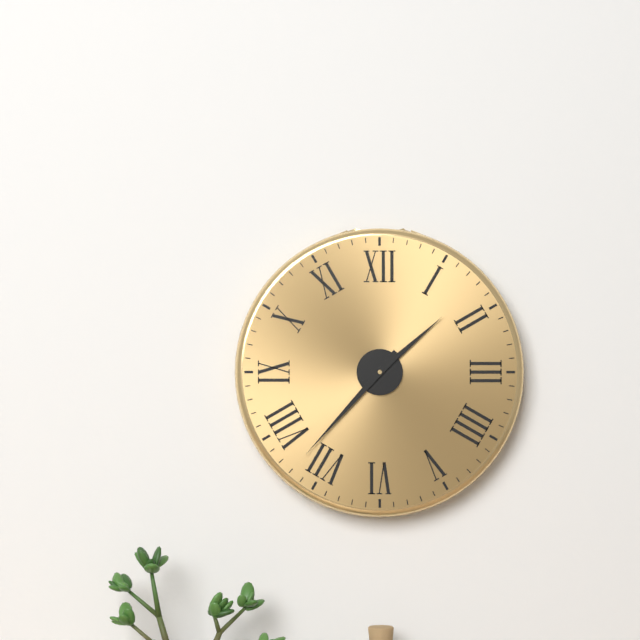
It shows 1:37
